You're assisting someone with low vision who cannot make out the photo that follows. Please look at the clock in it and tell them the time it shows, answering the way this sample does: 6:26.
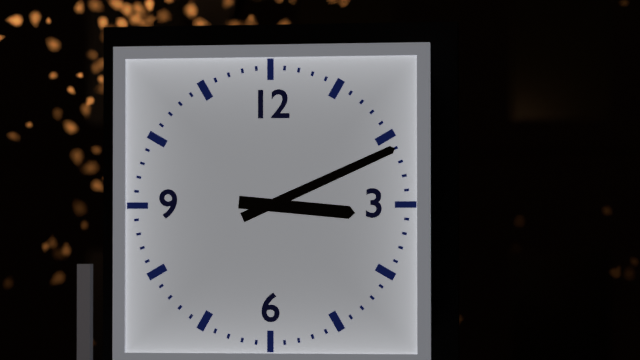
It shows 3:11
